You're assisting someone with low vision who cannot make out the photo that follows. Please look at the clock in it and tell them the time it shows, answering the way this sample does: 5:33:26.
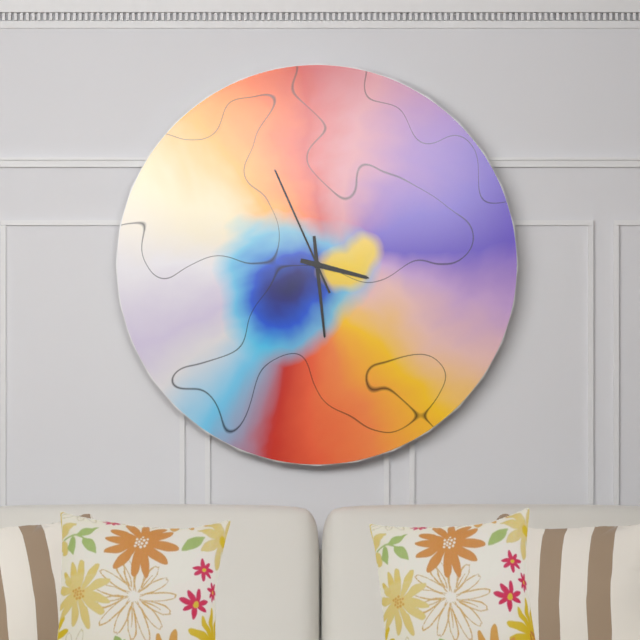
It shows 3:29:56
